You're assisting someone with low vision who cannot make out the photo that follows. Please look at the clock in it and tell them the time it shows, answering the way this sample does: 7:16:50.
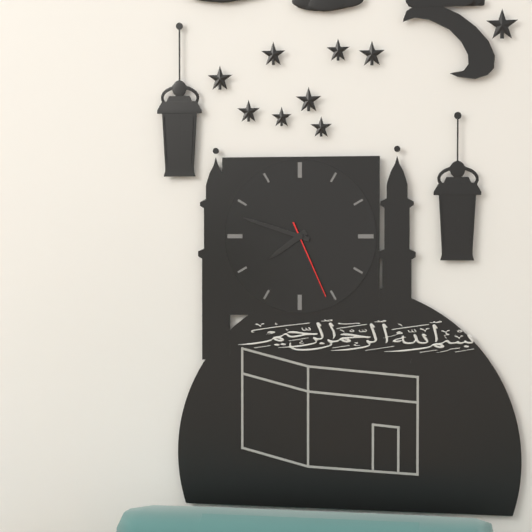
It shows 7:48:26
